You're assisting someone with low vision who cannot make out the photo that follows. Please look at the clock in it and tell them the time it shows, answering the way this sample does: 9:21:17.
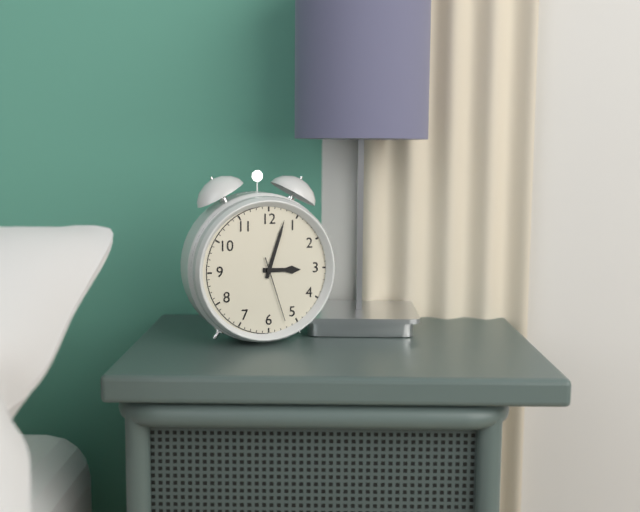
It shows 3:03:27
